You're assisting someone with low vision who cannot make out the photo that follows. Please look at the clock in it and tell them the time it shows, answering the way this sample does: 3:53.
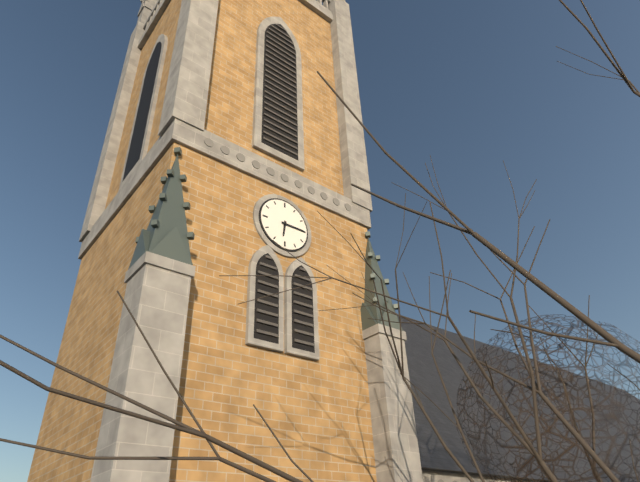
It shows 6:15
